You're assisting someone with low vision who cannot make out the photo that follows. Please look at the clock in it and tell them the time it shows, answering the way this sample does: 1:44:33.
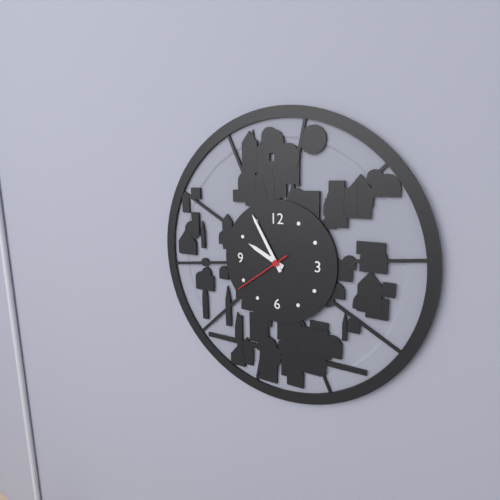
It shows 9:55:39
